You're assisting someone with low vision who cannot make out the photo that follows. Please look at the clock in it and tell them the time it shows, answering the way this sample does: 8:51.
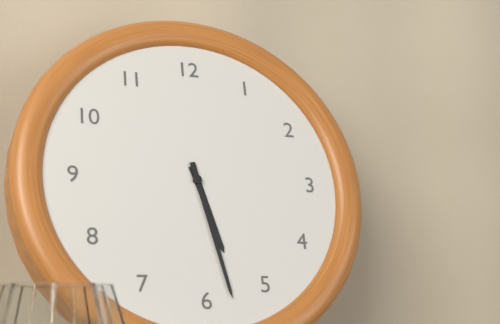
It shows 5:28
